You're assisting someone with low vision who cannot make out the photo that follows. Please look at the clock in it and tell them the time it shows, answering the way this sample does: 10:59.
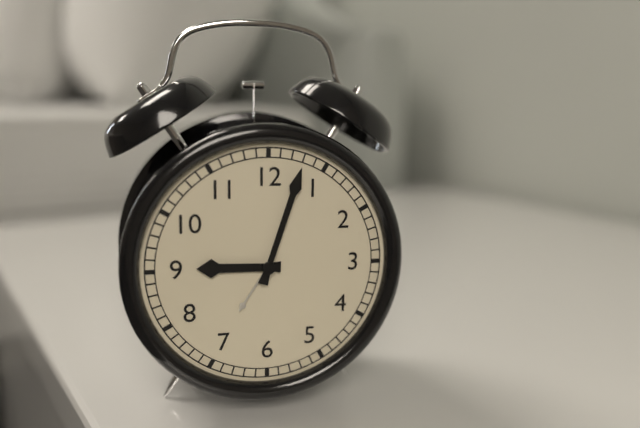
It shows 9:03
